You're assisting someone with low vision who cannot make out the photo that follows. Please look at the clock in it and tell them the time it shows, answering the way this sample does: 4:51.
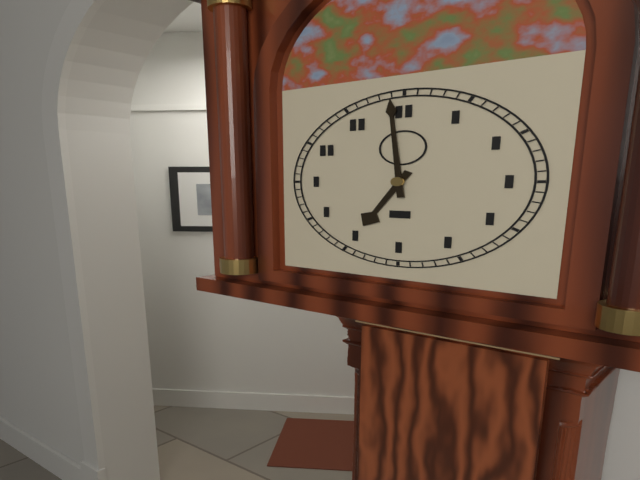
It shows 6:59
